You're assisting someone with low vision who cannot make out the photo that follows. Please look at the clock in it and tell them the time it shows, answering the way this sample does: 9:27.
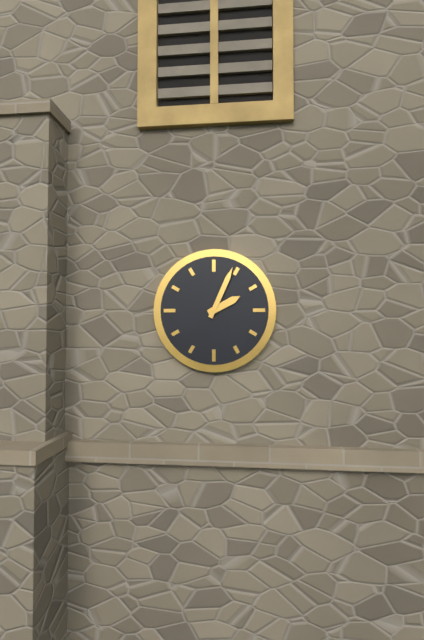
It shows 2:04
